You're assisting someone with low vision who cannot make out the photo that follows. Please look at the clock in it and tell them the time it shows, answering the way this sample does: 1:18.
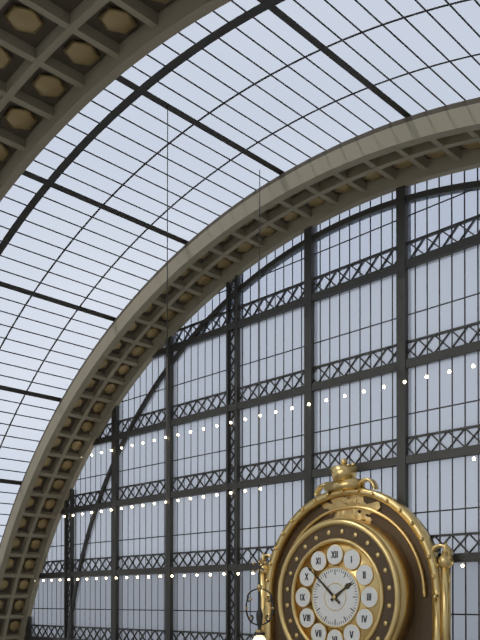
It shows 1:52
